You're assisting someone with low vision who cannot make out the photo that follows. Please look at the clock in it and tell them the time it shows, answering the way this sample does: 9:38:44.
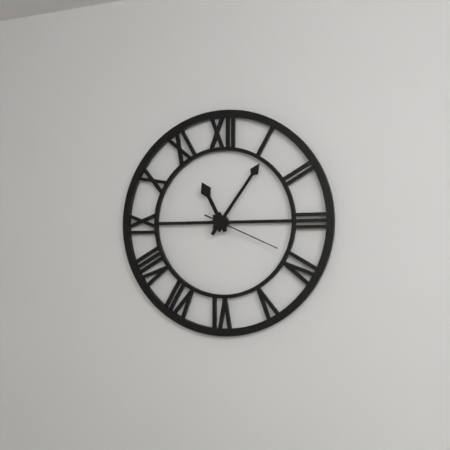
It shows 11:06:19
